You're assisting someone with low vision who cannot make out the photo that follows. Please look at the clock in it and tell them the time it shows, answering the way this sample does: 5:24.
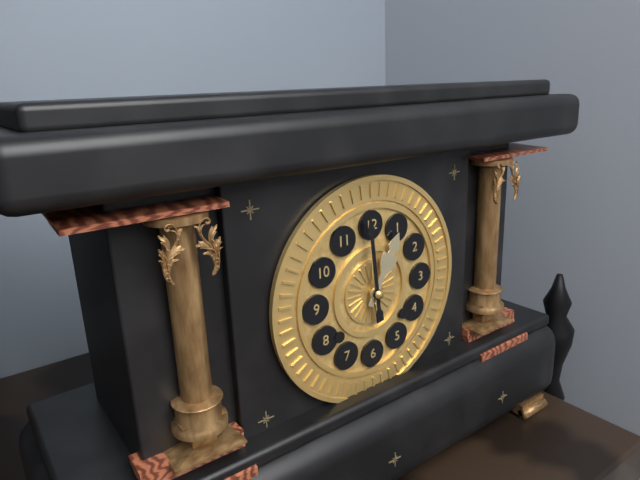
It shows 12:59
